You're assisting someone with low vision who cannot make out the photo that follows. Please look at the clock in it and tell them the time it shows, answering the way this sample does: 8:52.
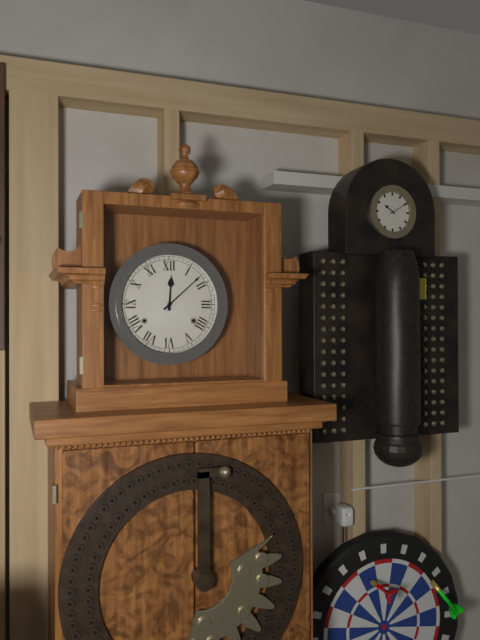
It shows 12:08
